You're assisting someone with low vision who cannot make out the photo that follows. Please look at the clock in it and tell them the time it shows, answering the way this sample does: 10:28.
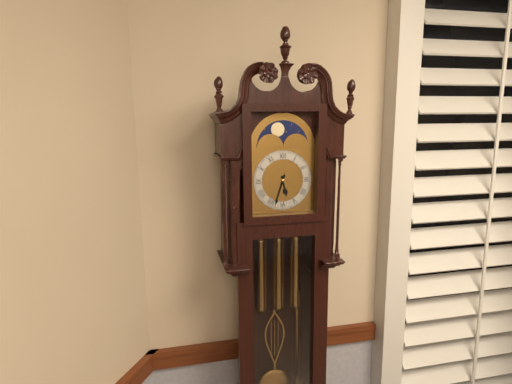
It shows 5:33
